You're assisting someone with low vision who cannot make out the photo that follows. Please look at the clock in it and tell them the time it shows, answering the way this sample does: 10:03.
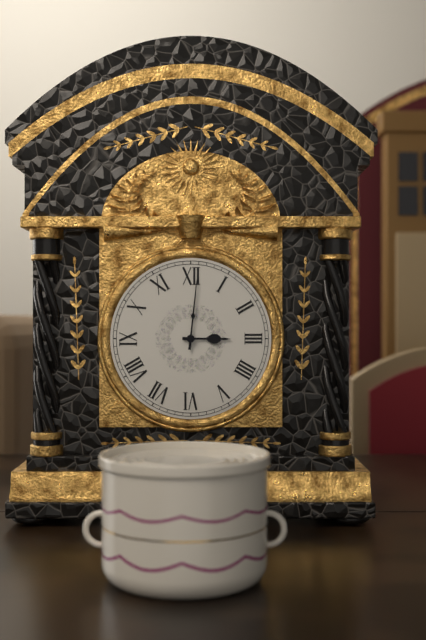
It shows 3:01
